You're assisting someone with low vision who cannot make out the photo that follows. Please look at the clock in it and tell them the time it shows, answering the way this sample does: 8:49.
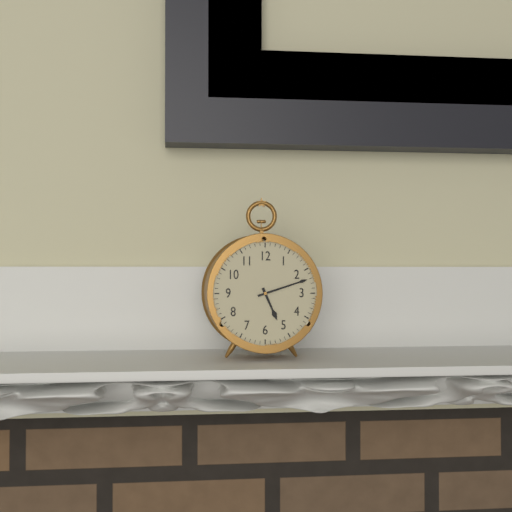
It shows 5:12
